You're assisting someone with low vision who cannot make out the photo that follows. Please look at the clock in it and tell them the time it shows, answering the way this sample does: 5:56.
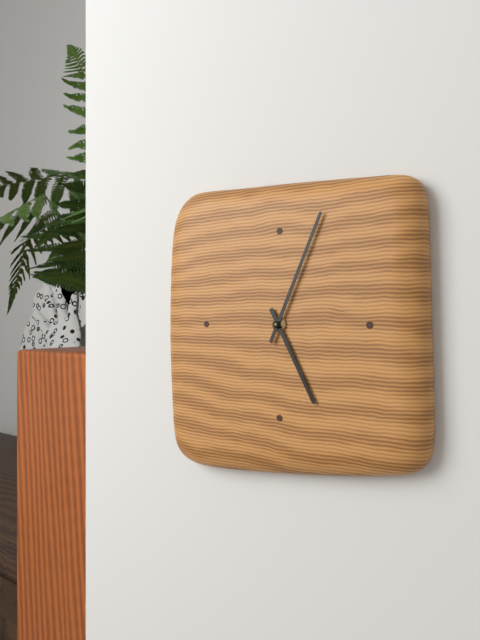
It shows 5:04
